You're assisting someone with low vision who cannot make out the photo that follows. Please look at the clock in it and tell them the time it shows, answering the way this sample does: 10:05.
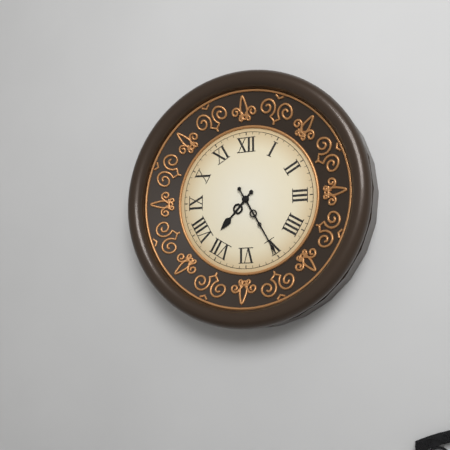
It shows 7:25
